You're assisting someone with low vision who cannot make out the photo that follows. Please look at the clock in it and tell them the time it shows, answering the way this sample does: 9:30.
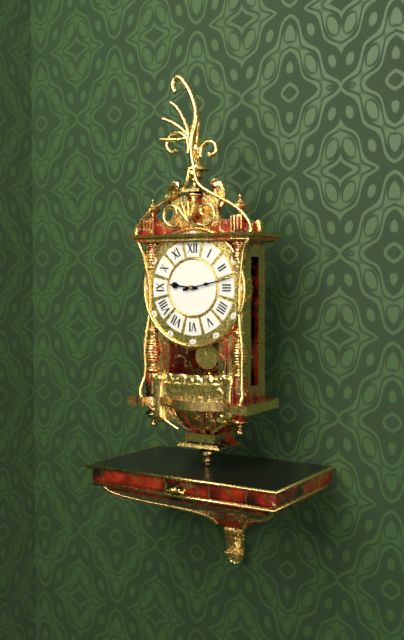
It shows 9:13
